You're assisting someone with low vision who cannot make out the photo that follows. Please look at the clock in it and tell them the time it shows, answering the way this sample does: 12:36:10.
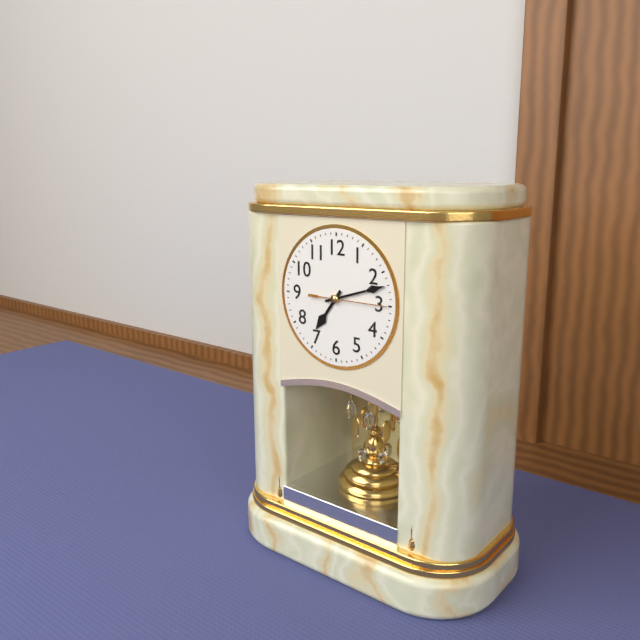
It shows 7:12:15
